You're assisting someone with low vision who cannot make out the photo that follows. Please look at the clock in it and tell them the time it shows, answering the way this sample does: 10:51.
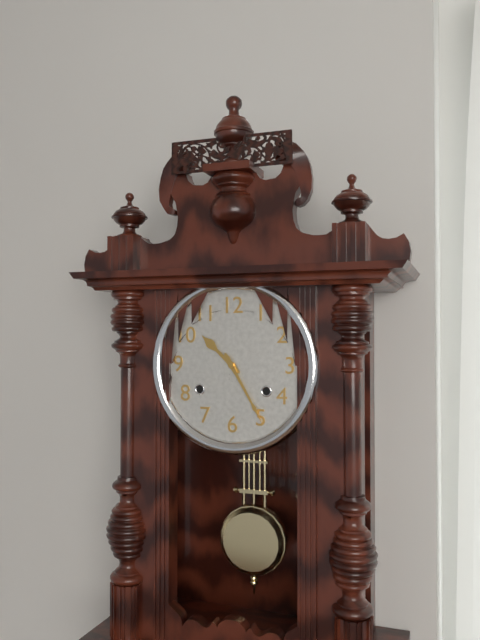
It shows 10:25
